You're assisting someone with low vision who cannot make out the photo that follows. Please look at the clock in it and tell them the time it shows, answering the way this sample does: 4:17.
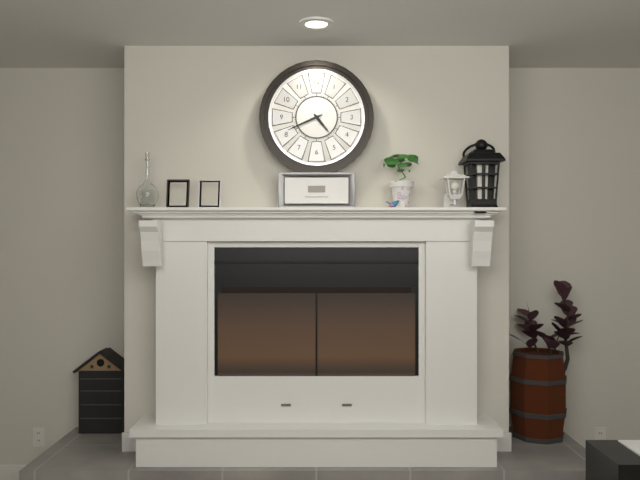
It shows 4:41
